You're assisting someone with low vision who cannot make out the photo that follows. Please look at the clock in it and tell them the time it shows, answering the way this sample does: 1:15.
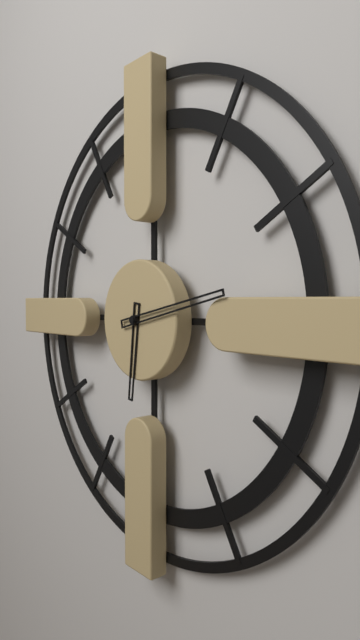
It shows 6:13
